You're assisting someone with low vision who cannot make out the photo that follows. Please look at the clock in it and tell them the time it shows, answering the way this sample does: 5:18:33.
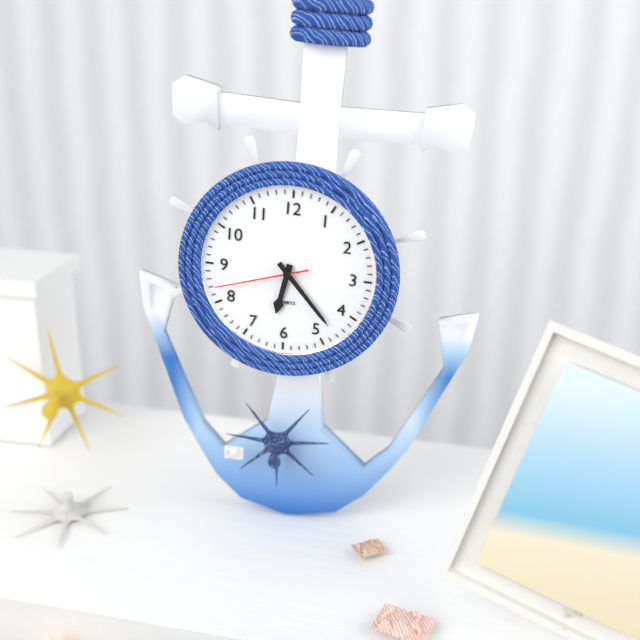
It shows 6:23:42
